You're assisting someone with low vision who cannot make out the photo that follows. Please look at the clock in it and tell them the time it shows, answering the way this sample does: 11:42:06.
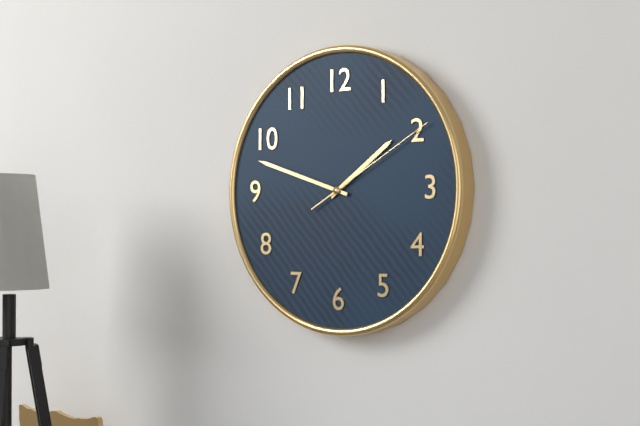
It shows 1:48:10
